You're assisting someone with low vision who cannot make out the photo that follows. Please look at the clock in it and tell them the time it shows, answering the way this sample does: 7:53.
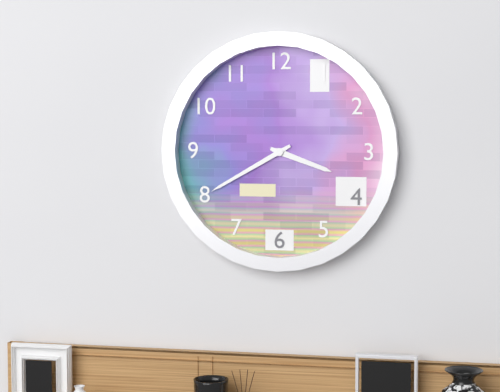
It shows 3:40
